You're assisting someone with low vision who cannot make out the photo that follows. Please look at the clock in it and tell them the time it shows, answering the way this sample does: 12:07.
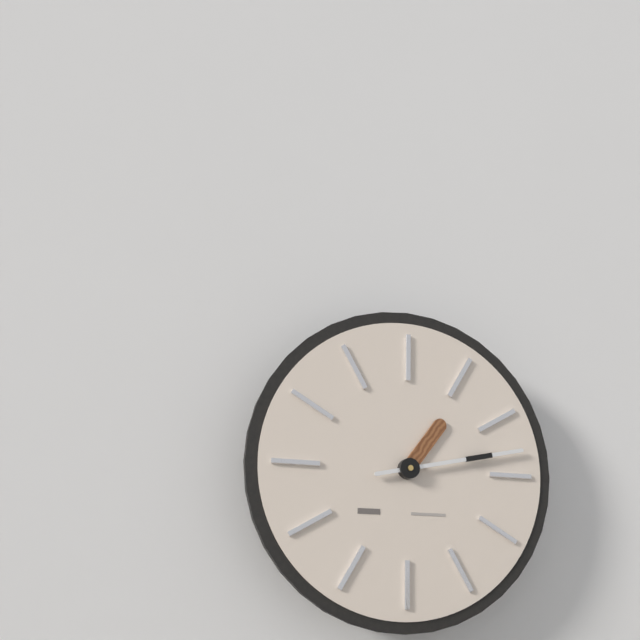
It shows 1:13
